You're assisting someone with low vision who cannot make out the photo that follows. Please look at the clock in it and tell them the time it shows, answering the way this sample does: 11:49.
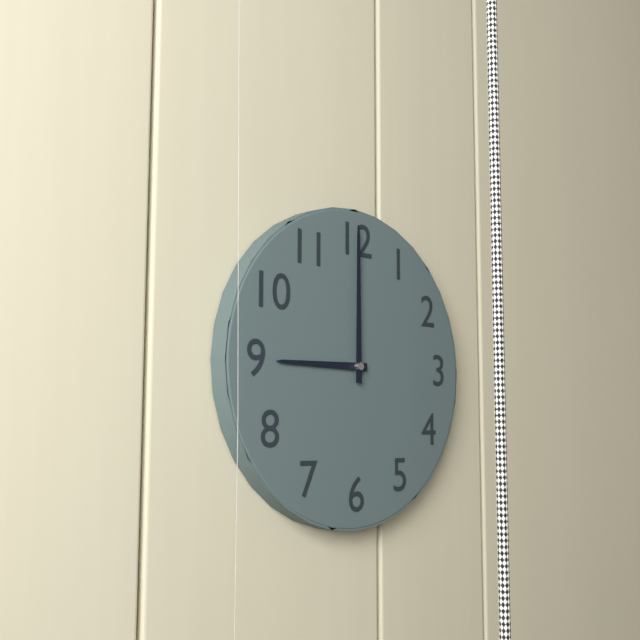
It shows 9:00
